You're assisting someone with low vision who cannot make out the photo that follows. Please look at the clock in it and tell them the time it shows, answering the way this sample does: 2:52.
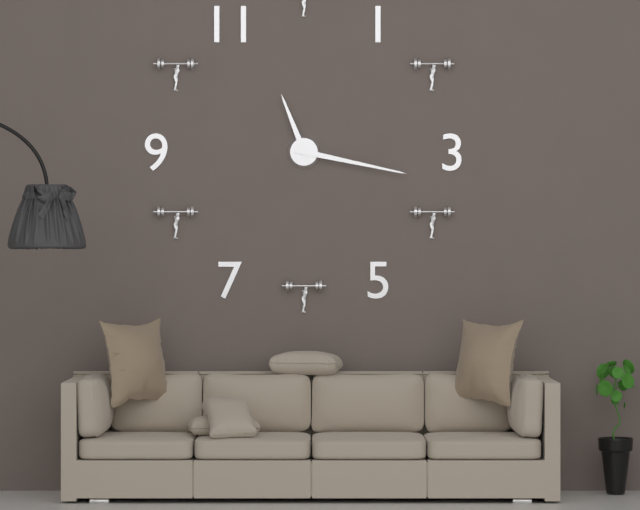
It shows 11:17
